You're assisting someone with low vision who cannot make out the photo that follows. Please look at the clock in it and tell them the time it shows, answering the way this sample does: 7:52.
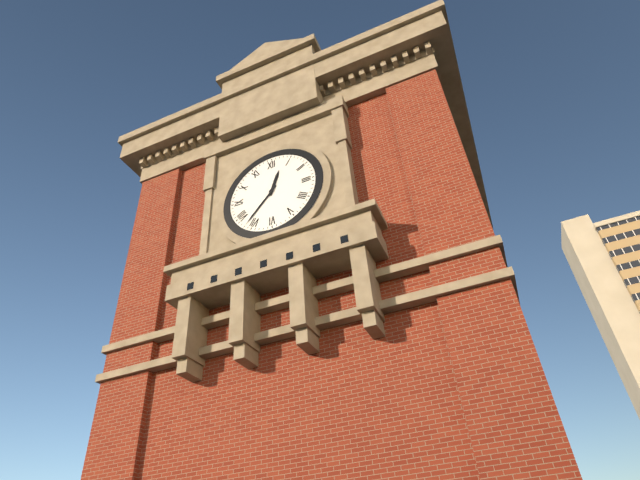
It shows 12:37
